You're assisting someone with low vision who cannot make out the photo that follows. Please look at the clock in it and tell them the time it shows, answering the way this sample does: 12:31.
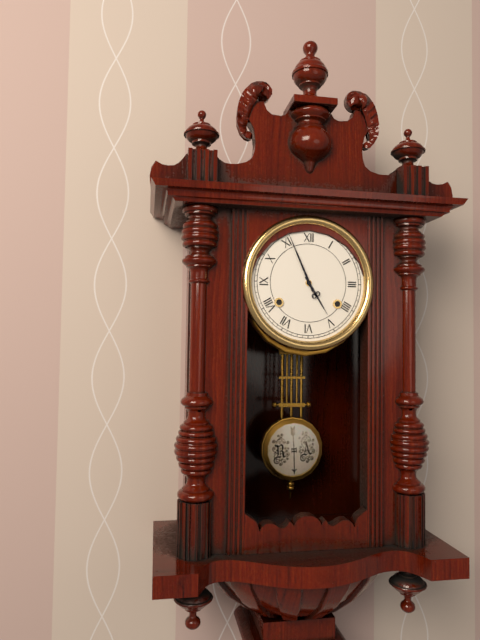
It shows 4:56
